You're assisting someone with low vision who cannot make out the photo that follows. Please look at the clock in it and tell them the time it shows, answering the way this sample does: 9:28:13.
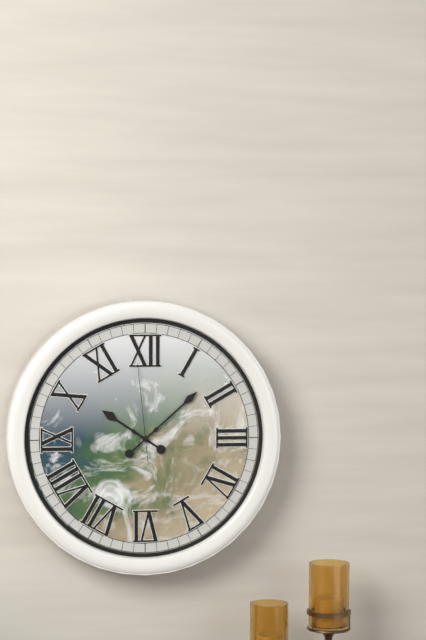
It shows 10:08:59
